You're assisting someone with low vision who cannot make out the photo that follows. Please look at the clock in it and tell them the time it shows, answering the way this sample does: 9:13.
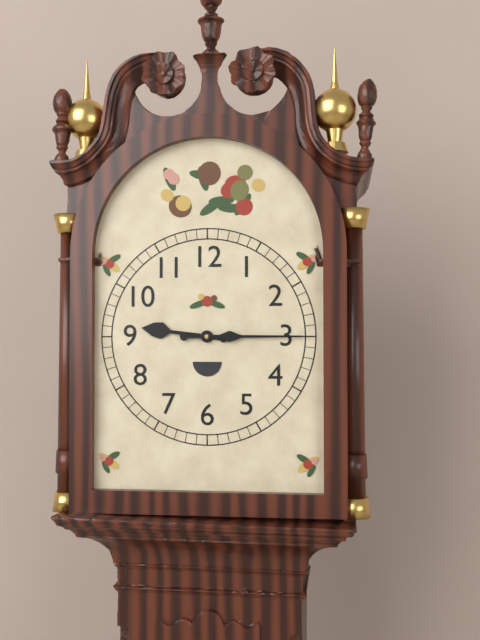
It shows 9:15
